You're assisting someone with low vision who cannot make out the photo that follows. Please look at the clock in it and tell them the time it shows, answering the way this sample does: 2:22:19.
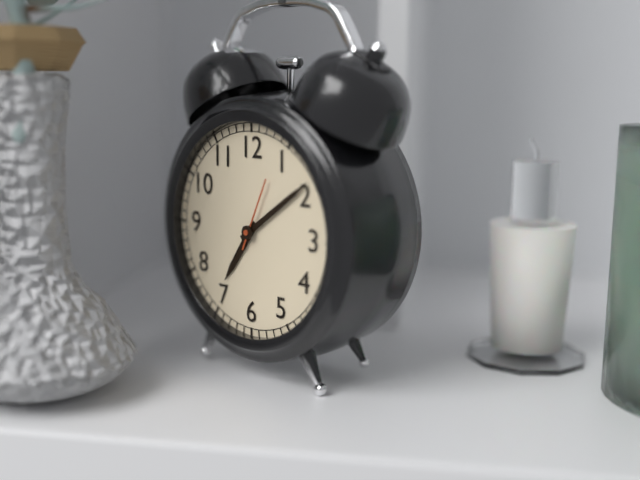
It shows 7:09:04
